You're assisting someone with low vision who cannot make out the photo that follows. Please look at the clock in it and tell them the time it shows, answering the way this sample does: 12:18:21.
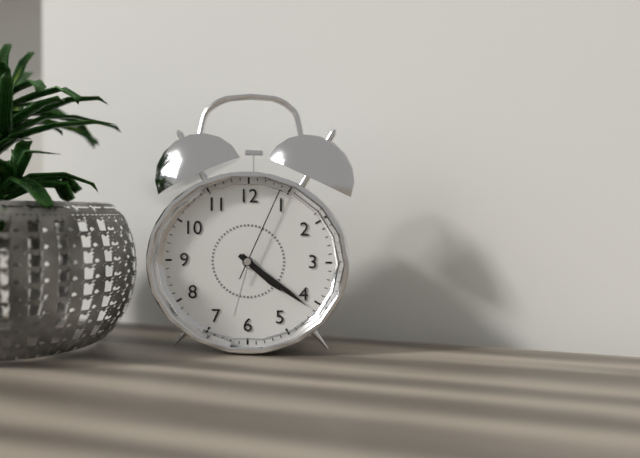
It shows 4:21:04
